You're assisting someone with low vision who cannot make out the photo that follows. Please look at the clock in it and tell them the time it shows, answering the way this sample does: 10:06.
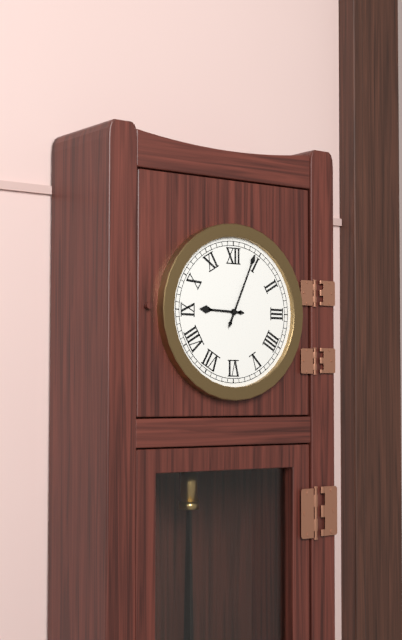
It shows 9:04
